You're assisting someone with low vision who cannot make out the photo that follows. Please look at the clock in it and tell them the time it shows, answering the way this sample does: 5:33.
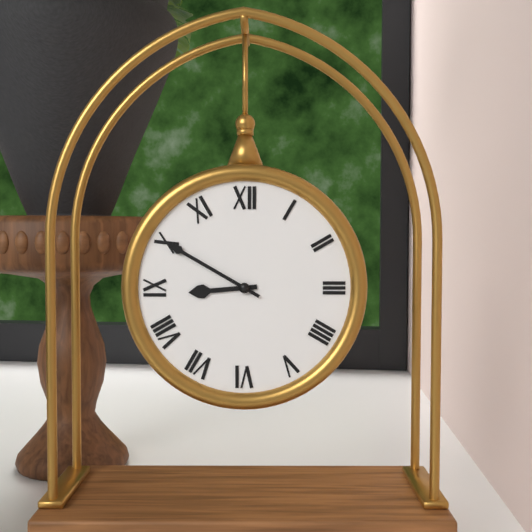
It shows 8:50
